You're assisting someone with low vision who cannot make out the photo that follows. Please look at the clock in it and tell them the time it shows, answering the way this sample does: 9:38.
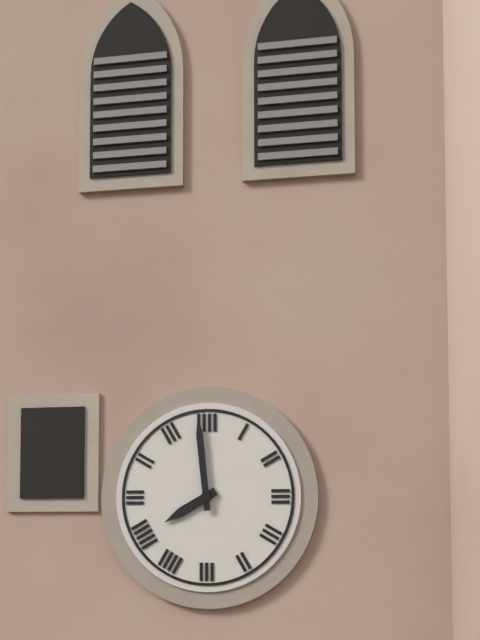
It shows 7:59
